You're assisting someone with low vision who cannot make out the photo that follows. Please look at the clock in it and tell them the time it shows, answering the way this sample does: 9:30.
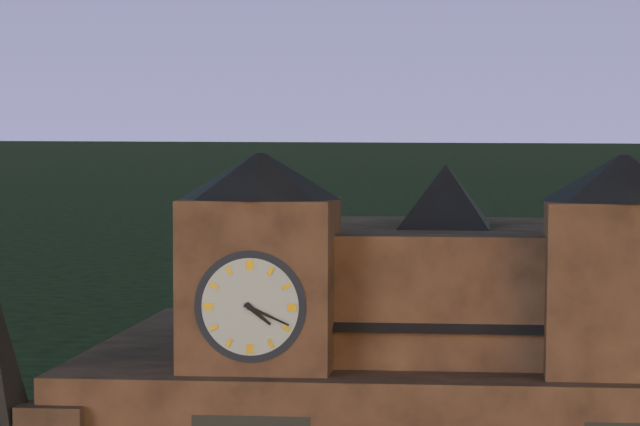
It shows 4:19
